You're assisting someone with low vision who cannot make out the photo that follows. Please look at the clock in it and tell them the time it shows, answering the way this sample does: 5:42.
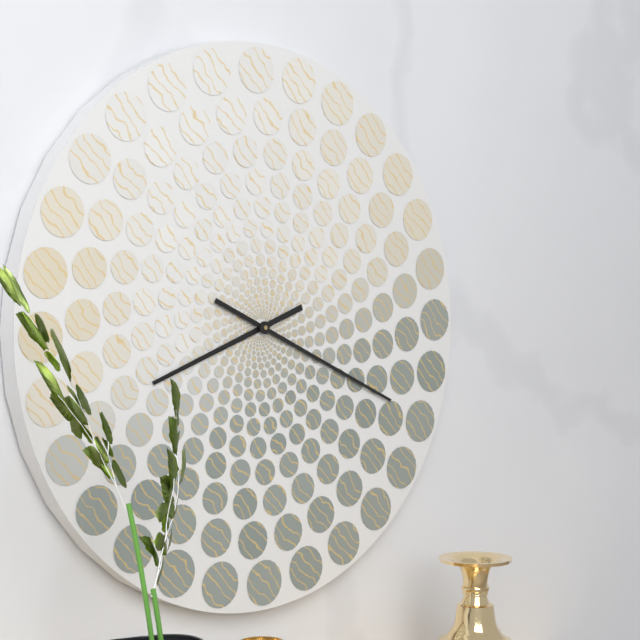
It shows 8:19
